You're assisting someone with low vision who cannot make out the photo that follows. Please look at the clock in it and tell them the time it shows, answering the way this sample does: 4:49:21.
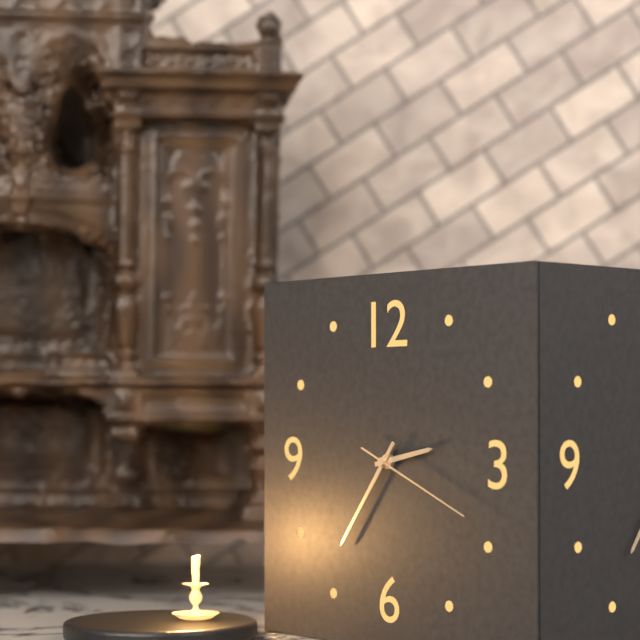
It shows 2:36:19
